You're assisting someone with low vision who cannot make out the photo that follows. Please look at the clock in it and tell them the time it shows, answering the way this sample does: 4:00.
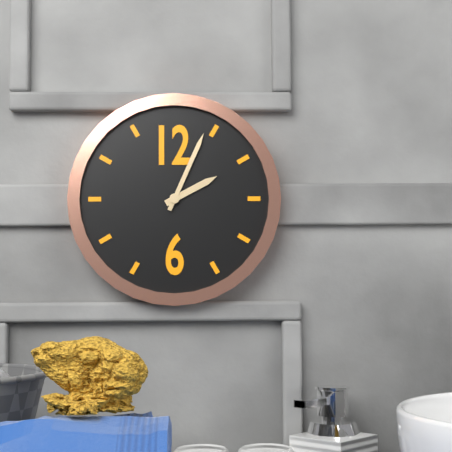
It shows 2:04
